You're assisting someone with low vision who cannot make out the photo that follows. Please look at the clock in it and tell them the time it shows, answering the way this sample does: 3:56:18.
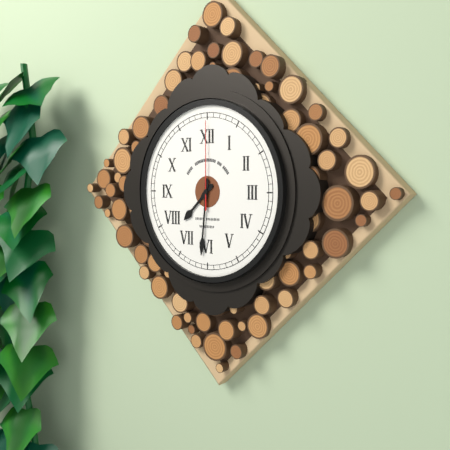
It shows 7:31:00
